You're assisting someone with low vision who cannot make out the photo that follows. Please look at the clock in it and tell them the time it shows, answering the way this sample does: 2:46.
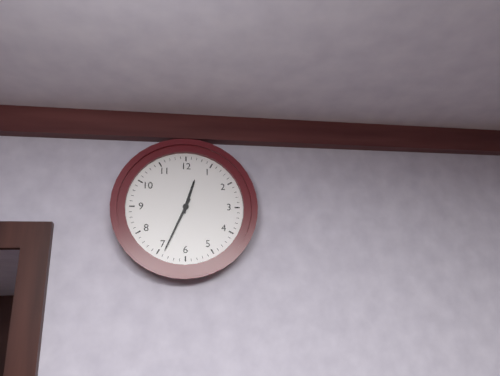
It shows 12:34
